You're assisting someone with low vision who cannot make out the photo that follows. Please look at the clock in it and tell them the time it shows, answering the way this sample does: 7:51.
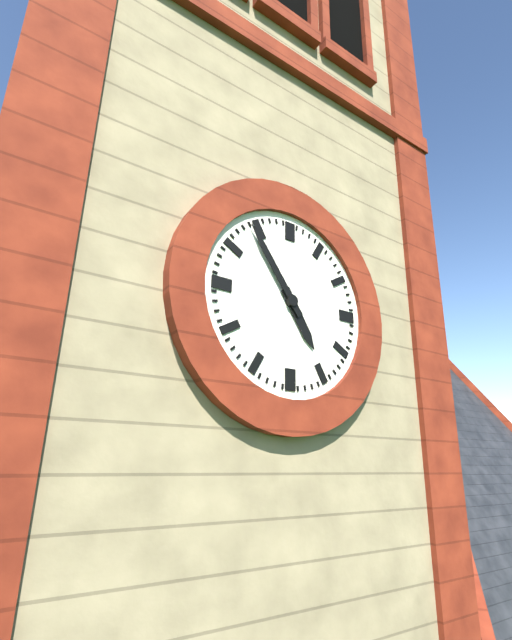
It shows 4:54
